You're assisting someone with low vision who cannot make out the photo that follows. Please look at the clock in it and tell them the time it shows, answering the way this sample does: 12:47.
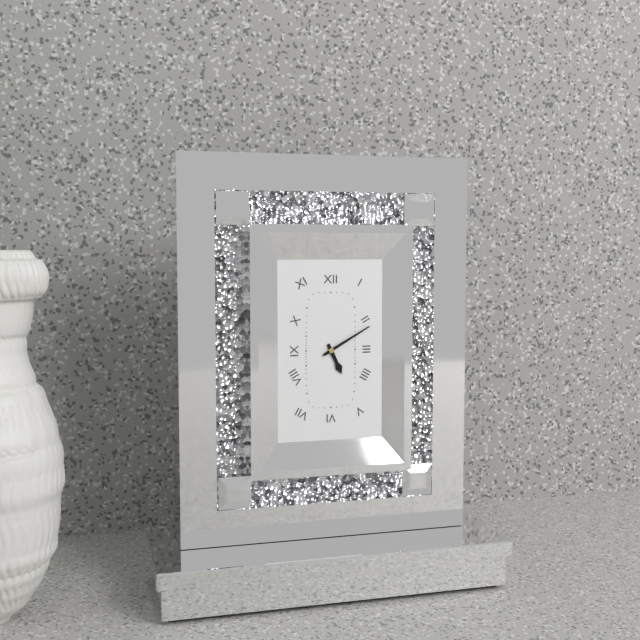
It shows 5:10
